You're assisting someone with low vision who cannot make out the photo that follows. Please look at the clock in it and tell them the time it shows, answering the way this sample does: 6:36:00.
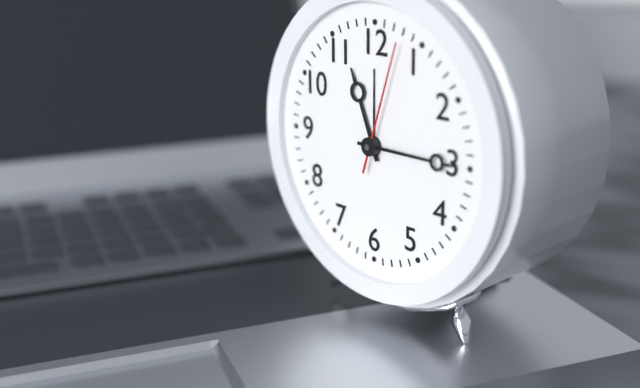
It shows 11:15:03
